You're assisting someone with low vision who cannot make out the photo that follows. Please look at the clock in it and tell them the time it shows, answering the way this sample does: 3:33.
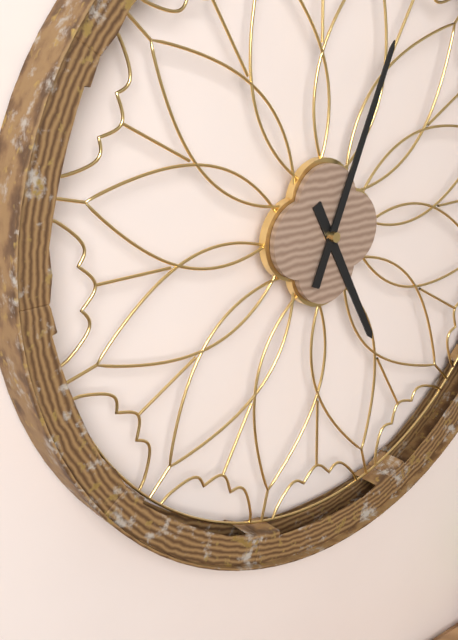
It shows 5:04
